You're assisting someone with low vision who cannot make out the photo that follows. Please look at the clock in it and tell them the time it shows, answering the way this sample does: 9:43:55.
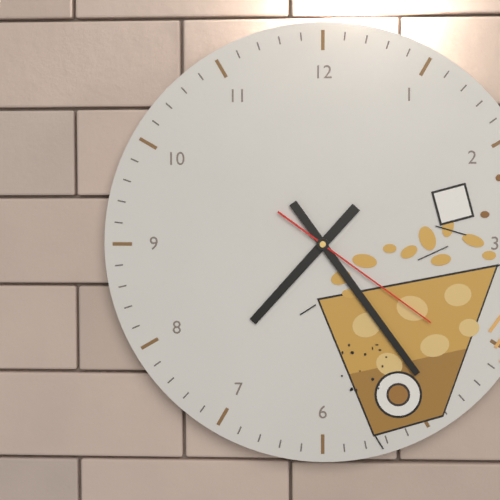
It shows 7:24:21
